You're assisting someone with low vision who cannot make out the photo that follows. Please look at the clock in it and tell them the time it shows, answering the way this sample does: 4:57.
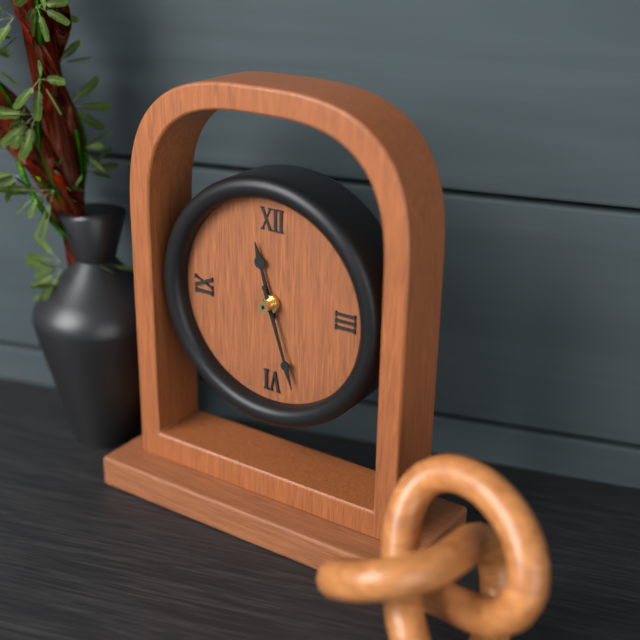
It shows 11:27
